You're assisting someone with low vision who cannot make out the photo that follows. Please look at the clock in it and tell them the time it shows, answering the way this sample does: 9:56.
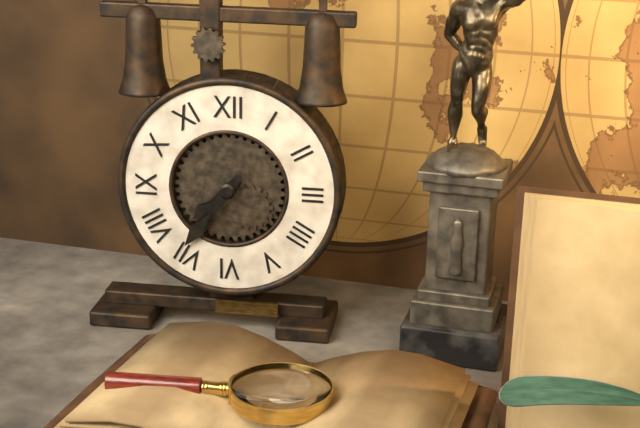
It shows 7:36
